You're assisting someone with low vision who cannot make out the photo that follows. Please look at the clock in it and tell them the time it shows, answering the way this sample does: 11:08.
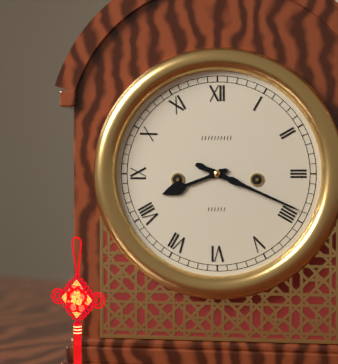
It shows 8:19
